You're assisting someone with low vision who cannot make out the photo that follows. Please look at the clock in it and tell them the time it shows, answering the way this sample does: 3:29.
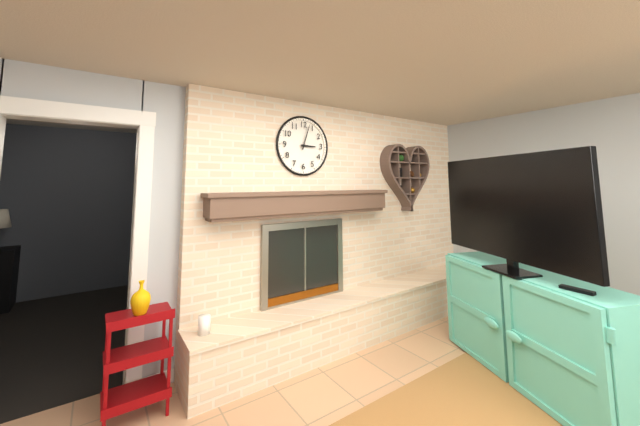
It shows 3:03
